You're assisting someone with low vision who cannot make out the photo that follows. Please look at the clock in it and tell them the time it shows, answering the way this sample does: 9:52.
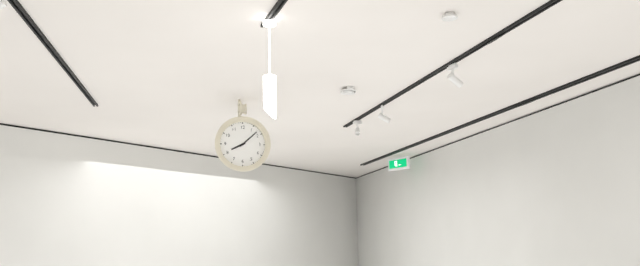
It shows 8:08
